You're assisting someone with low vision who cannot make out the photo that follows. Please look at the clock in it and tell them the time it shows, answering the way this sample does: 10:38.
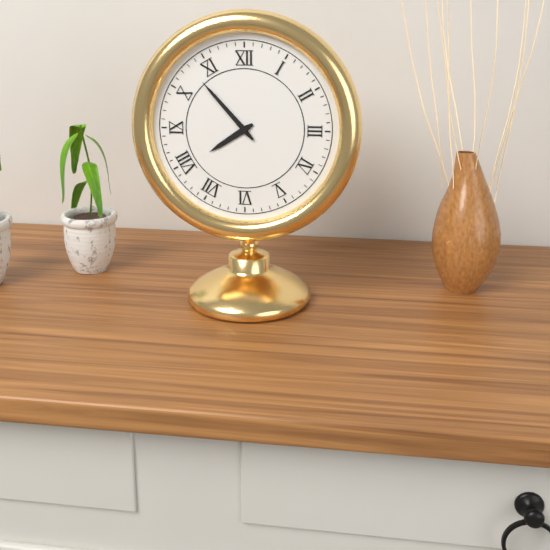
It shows 7:53
